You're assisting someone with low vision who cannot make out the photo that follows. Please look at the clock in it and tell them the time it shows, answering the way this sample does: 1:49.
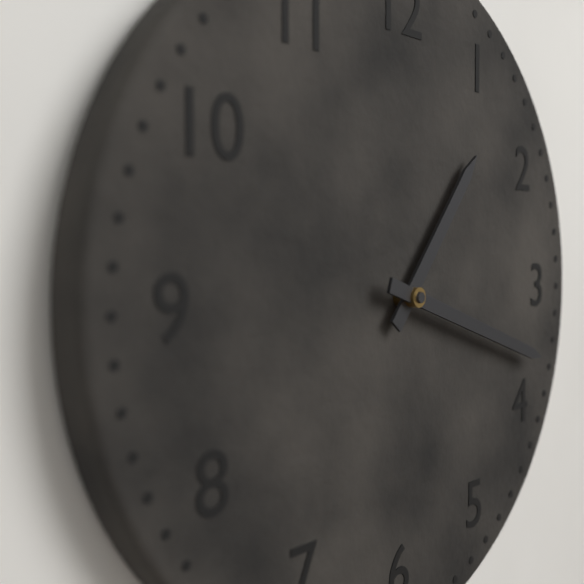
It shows 1:18
